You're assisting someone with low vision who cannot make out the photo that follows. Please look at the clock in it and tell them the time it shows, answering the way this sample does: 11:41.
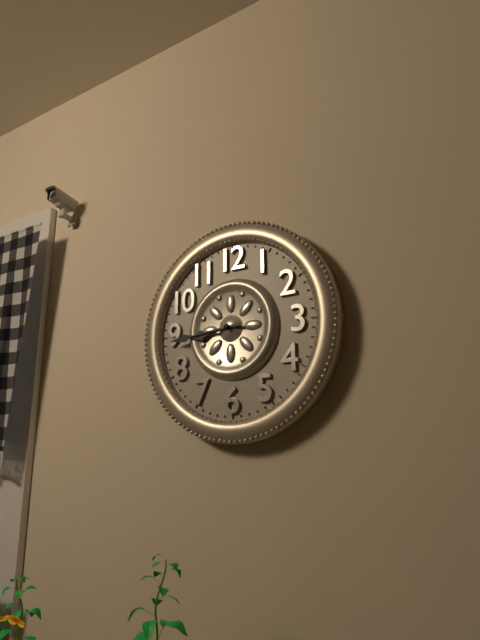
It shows 8:44
